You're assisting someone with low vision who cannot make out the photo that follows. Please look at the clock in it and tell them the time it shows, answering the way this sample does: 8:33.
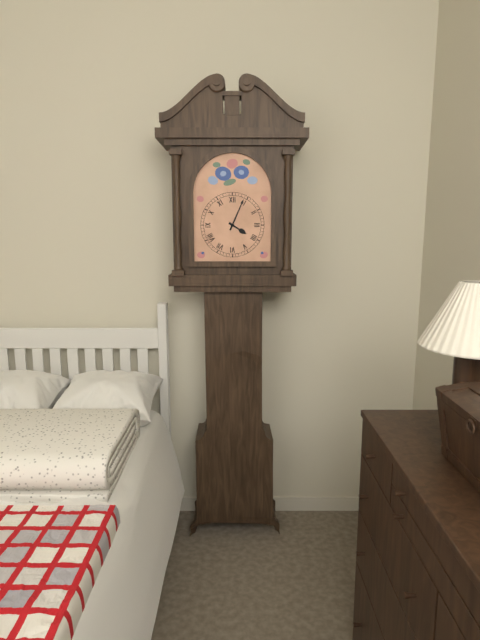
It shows 4:04
